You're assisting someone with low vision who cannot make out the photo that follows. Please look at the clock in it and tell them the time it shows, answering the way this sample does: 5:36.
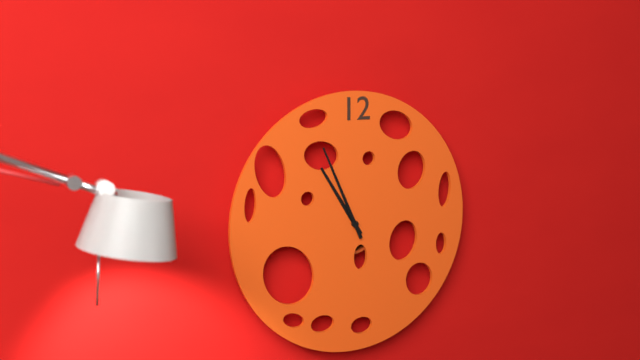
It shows 10:56
